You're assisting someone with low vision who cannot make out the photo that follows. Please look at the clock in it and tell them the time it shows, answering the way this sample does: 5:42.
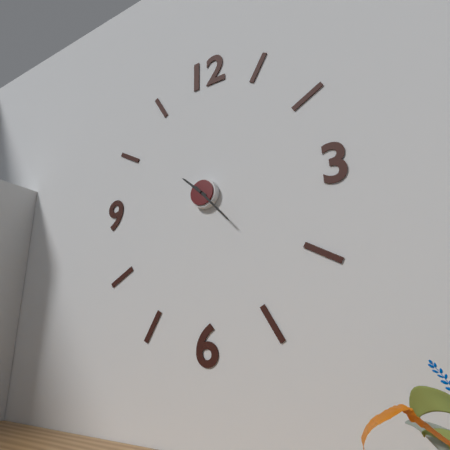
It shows 10:23
